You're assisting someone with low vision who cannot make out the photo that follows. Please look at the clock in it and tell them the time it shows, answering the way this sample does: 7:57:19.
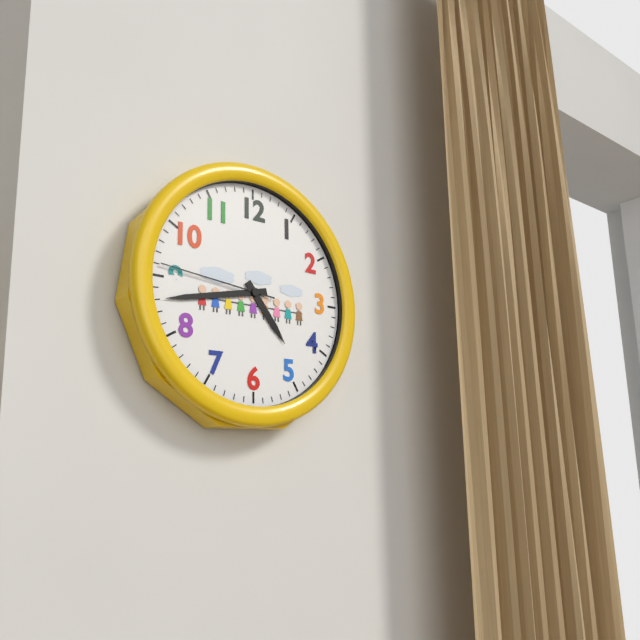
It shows 4:43:46
